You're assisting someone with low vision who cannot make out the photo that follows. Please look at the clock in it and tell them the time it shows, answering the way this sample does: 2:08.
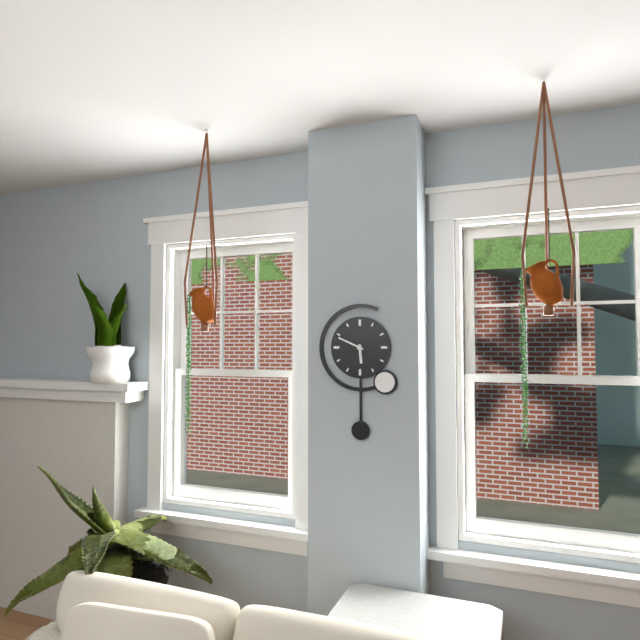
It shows 5:49
